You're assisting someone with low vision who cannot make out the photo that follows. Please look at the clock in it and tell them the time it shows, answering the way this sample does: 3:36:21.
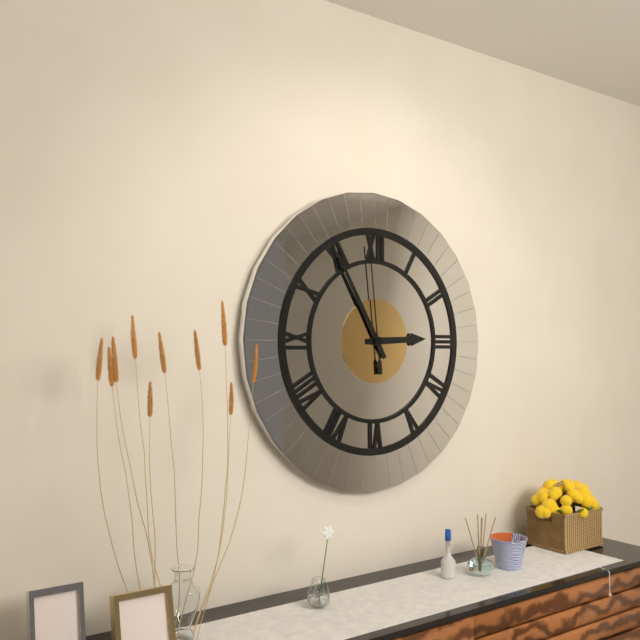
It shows 2:55:59
